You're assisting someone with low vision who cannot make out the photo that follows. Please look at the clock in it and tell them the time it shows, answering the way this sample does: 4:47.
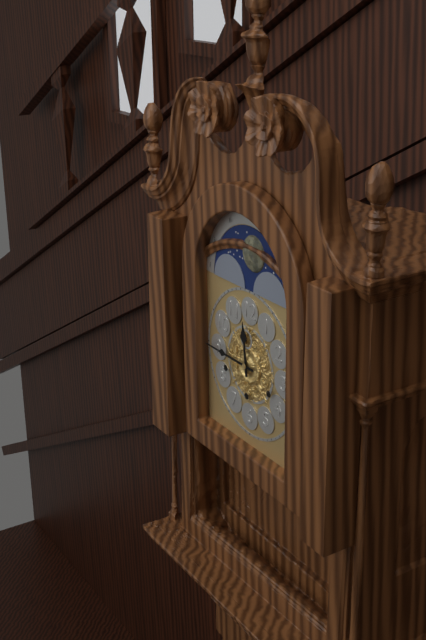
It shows 11:45
